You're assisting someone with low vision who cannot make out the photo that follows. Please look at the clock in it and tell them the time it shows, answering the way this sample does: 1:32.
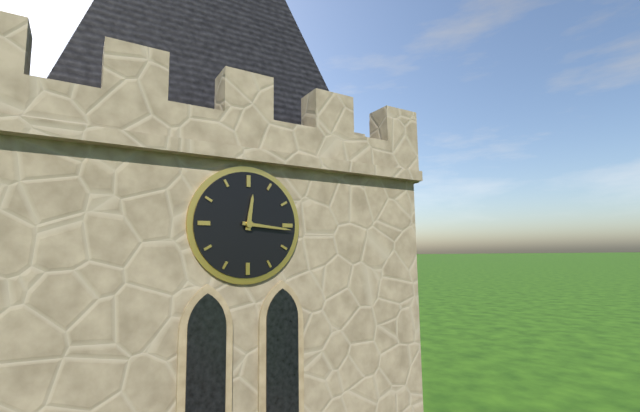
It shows 12:16
